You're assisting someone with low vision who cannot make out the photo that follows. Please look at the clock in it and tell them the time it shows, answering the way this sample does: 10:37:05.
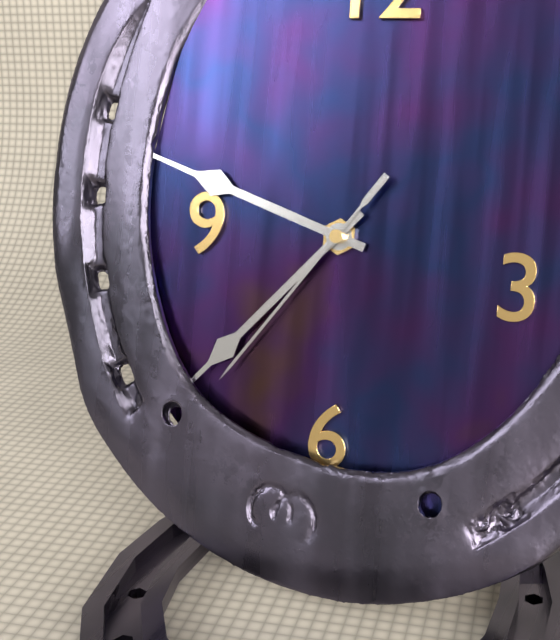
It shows 9:37:36
